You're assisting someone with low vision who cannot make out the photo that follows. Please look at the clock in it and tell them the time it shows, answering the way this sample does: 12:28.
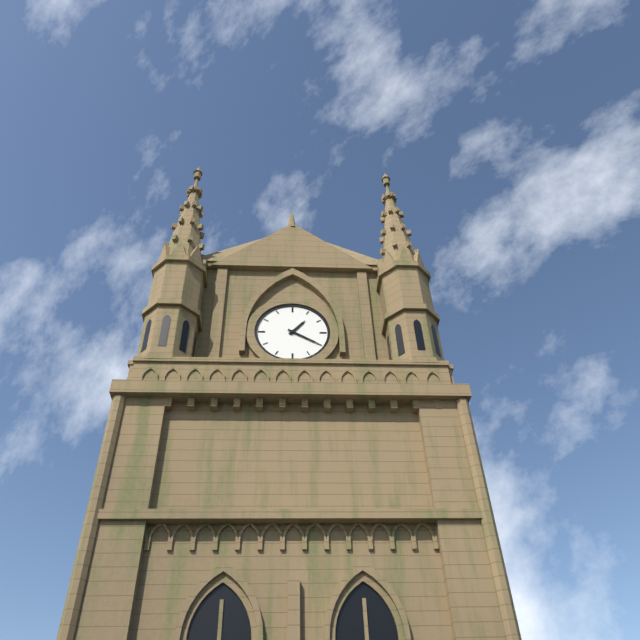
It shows 1:20
